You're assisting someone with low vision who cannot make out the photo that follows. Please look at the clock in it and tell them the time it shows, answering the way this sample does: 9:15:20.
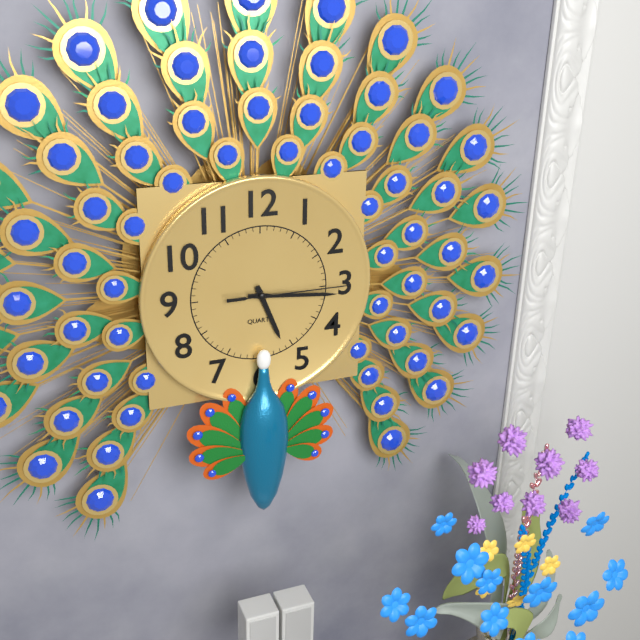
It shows 5:16:15
